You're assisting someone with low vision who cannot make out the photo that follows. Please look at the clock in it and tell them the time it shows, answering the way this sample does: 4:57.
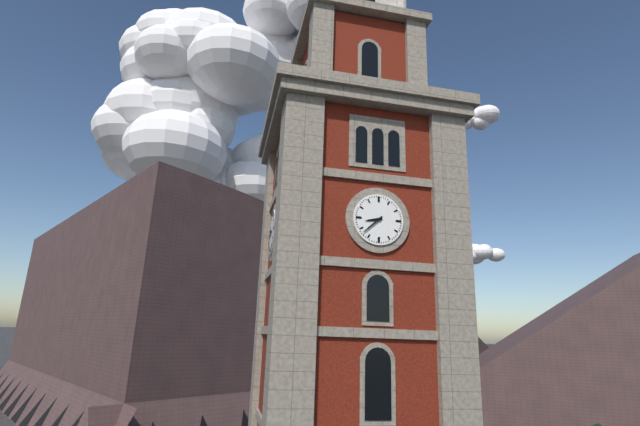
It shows 8:38
